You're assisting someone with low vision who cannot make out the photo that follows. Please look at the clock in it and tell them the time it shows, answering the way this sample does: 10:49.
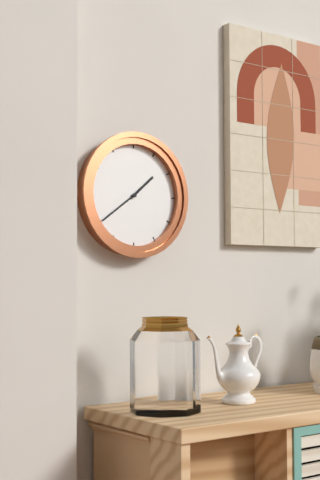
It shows 1:39
